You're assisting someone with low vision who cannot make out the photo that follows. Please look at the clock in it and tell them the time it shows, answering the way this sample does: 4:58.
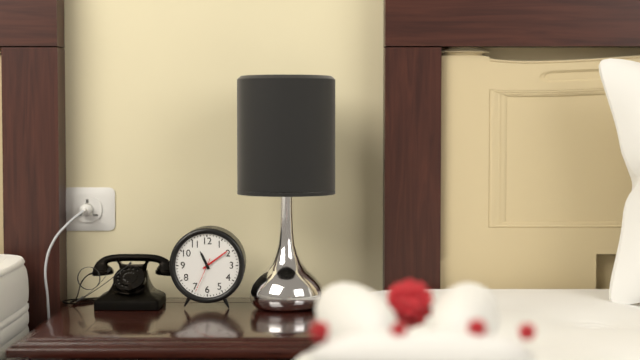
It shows 11:09
